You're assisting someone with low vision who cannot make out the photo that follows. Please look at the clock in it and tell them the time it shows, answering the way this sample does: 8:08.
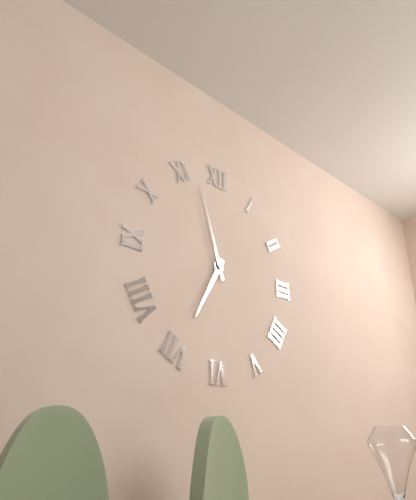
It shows 6:57
